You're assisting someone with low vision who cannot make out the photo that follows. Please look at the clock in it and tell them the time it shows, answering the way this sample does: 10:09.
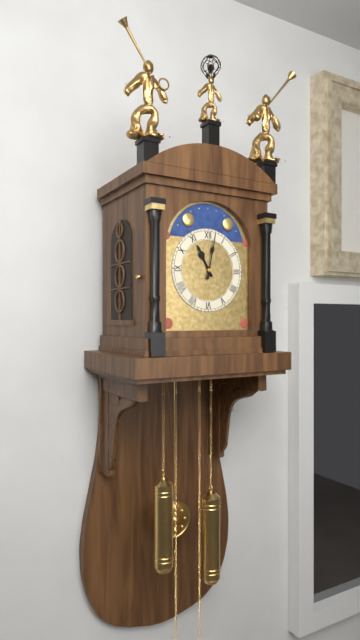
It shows 11:02
